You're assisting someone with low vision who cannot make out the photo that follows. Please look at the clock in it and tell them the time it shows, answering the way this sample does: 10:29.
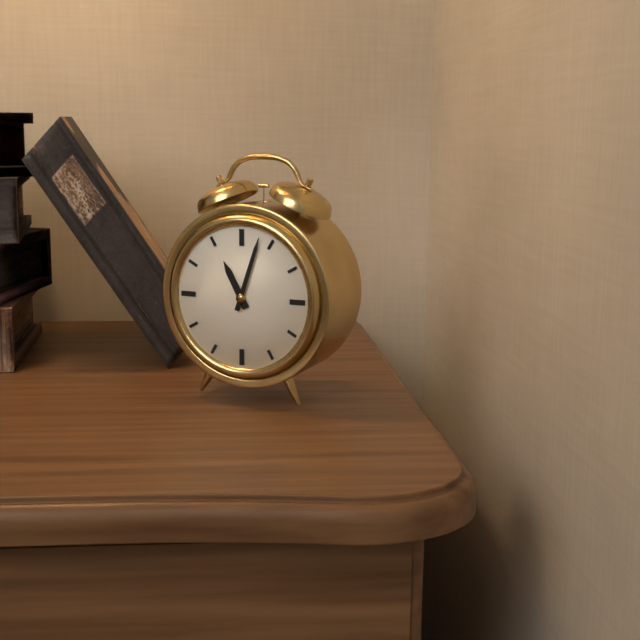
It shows 11:03
